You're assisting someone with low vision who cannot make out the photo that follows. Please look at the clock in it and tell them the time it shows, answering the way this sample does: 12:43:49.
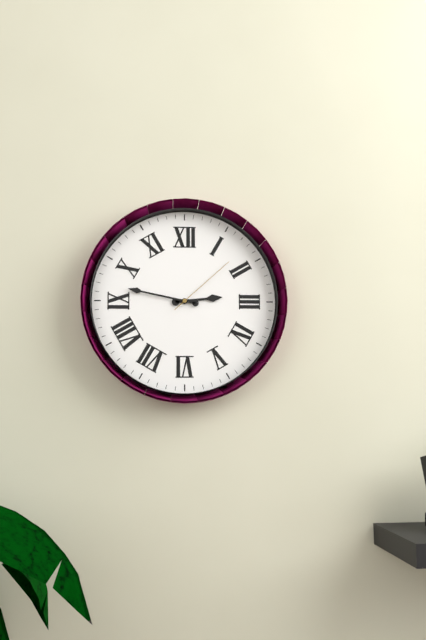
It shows 2:47:08
